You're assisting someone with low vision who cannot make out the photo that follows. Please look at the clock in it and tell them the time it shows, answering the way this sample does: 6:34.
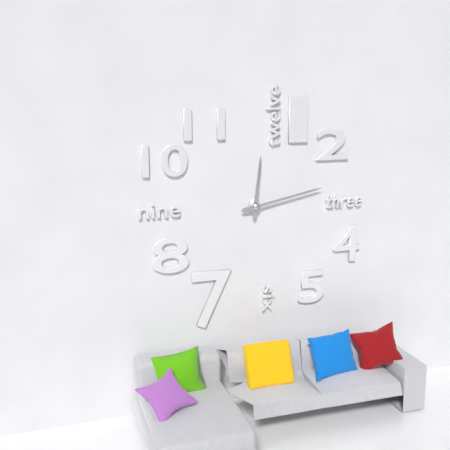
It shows 12:13
